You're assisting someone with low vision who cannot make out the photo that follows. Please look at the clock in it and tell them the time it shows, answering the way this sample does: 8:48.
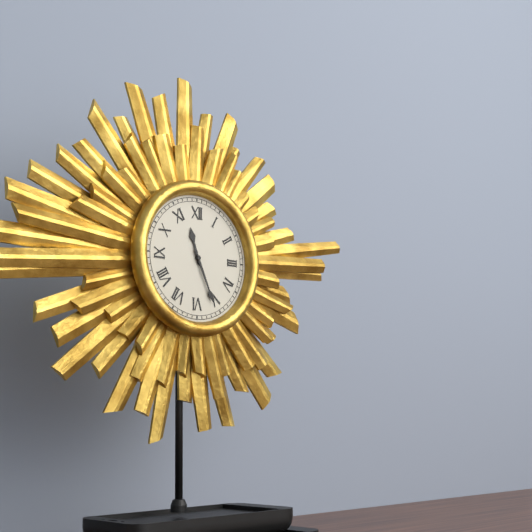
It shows 11:26
